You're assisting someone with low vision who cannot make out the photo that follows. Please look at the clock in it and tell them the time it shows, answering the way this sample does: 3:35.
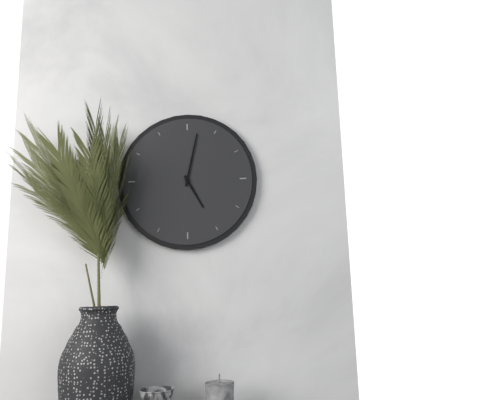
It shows 5:02
